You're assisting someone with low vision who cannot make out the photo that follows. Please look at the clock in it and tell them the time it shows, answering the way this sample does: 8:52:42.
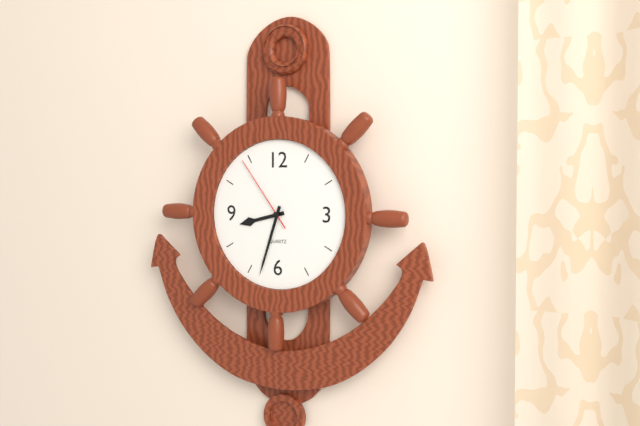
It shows 8:33:54
